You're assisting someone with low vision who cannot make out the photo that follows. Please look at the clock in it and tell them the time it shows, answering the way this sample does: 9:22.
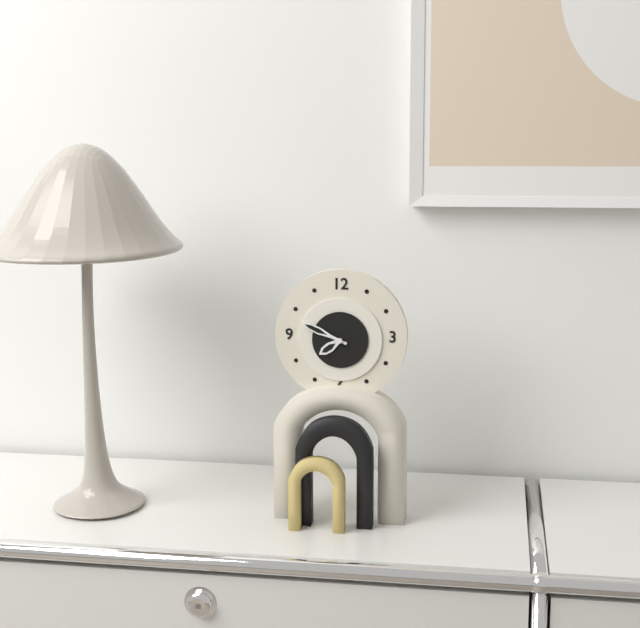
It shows 7:49
